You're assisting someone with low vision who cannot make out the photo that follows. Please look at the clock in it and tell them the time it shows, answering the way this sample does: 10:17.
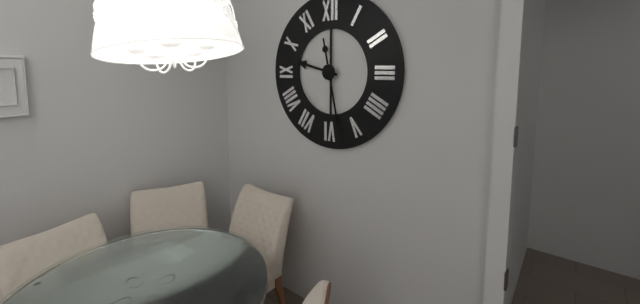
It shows 9:28
